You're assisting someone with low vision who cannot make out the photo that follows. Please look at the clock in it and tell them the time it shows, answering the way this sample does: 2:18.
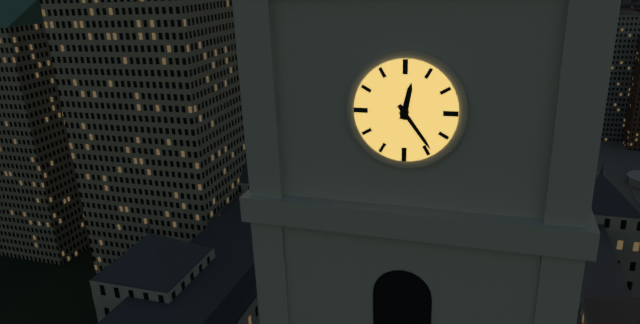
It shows 12:24
